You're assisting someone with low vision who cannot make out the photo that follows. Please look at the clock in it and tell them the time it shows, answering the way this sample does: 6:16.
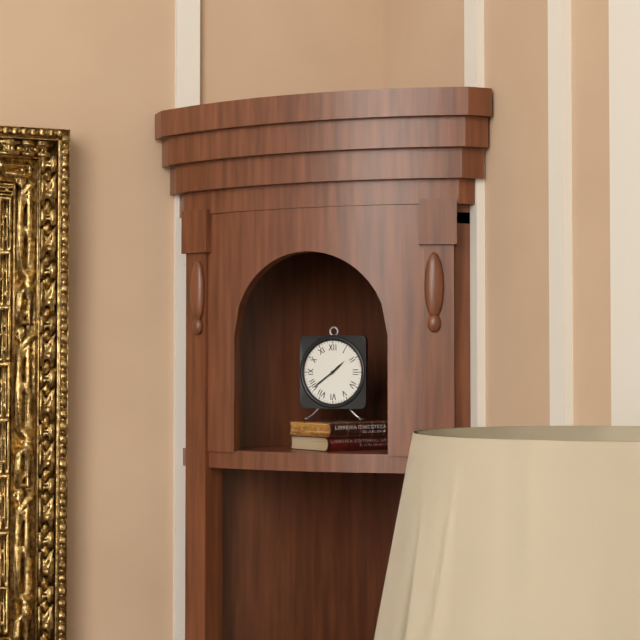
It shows 1:39
